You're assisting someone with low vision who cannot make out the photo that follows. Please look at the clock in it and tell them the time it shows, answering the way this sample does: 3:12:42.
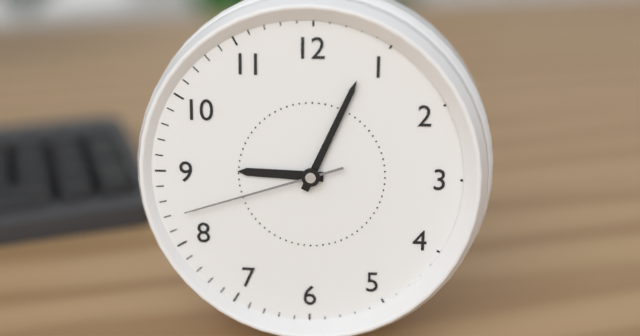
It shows 9:04:42
